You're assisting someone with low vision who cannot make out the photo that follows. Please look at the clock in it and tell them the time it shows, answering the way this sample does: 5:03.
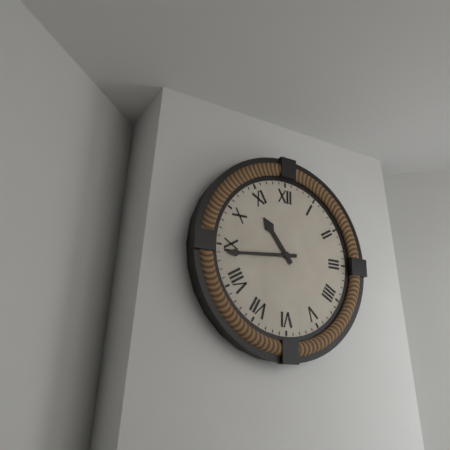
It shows 10:44
